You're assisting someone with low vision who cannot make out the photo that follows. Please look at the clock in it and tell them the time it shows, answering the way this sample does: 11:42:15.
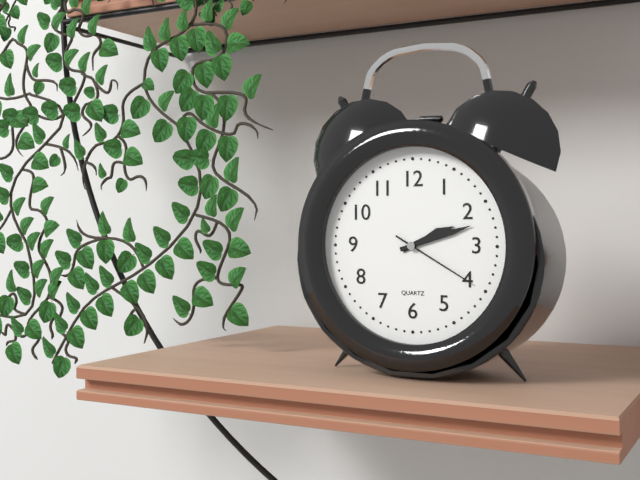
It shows 2:12:20
